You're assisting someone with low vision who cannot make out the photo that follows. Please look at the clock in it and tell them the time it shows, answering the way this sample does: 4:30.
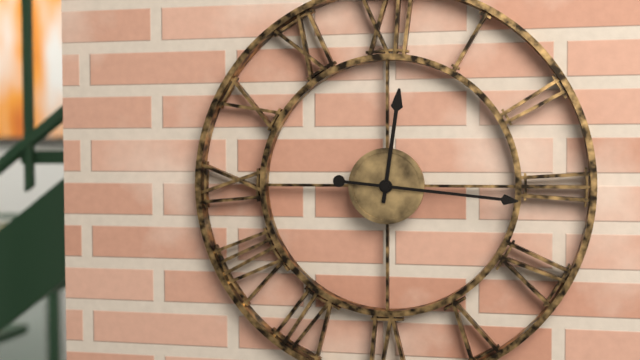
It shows 12:16
